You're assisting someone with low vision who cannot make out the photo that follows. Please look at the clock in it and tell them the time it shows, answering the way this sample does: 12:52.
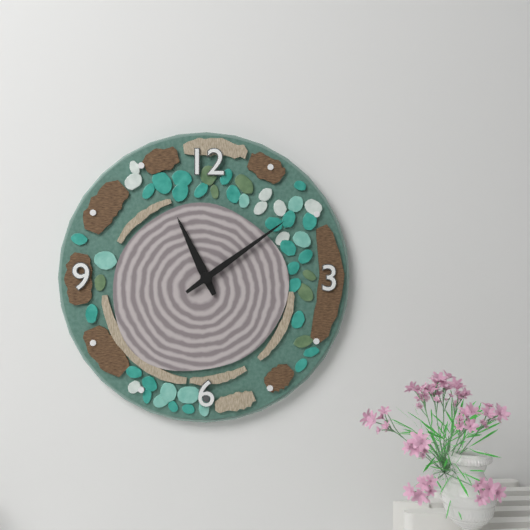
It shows 11:09
